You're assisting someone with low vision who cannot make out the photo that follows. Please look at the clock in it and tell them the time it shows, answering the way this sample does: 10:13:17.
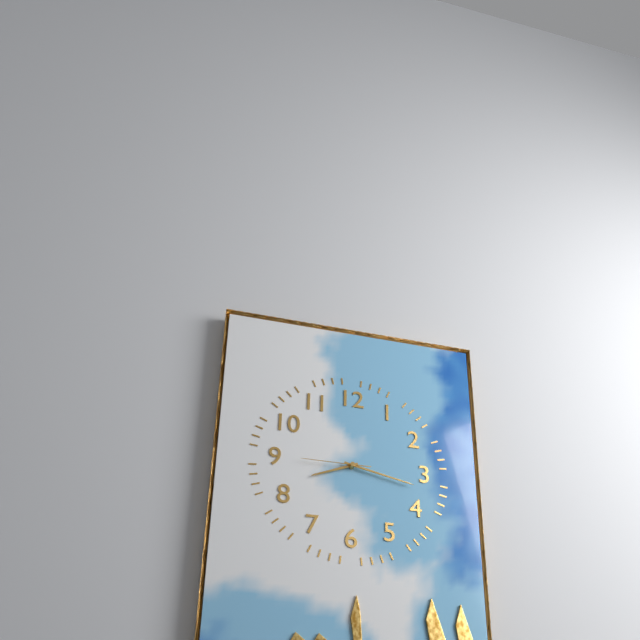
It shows 8:17:45
